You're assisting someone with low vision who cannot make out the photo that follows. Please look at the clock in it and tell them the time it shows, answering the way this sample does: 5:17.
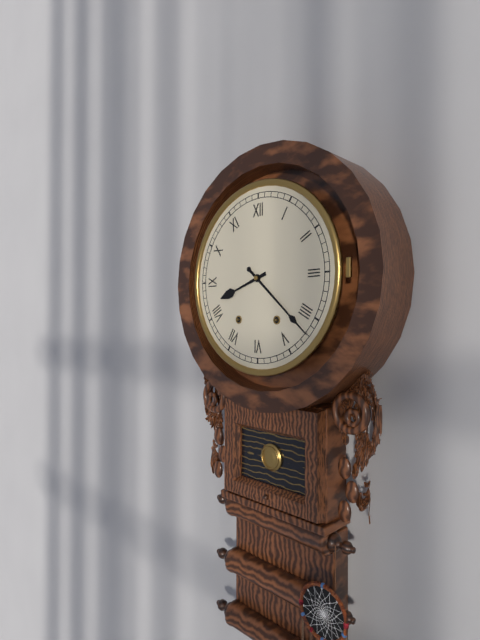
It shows 8:22
